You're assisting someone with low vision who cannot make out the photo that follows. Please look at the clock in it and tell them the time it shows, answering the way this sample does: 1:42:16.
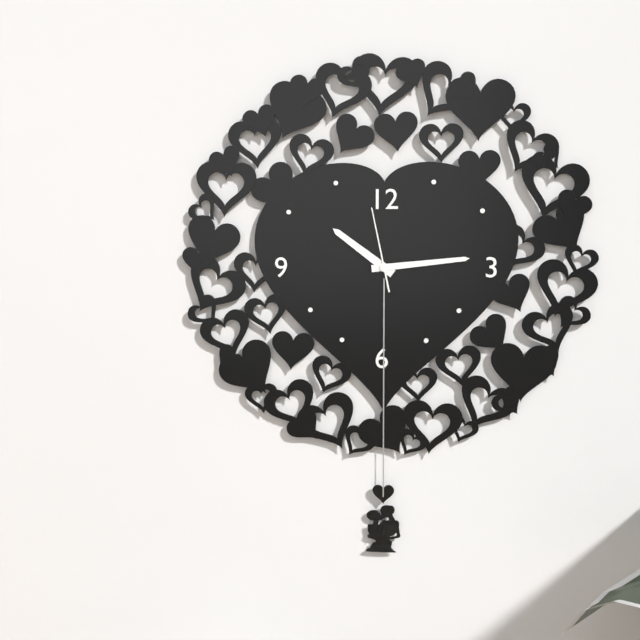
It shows 10:14:58
